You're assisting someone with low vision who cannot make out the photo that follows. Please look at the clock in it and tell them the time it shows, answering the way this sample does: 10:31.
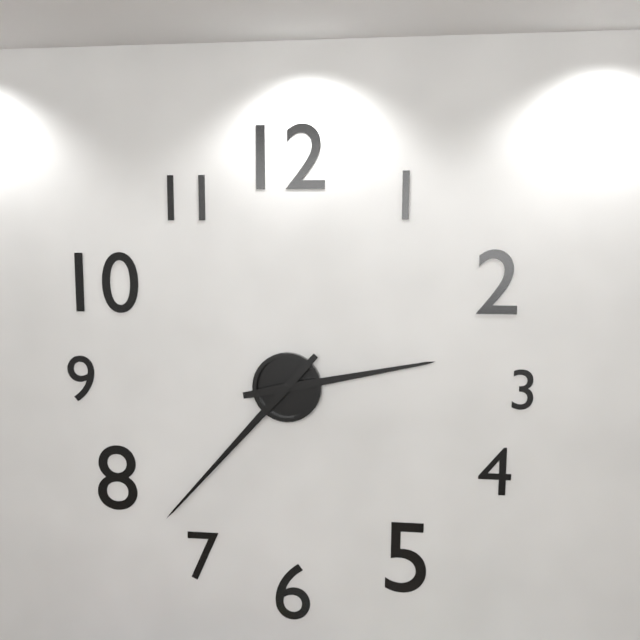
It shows 2:37
